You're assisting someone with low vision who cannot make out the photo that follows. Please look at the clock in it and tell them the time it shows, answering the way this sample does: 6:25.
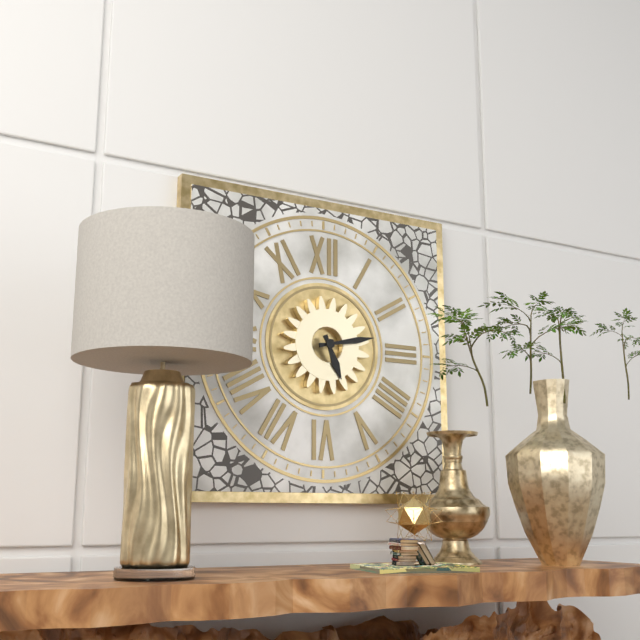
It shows 5:13
